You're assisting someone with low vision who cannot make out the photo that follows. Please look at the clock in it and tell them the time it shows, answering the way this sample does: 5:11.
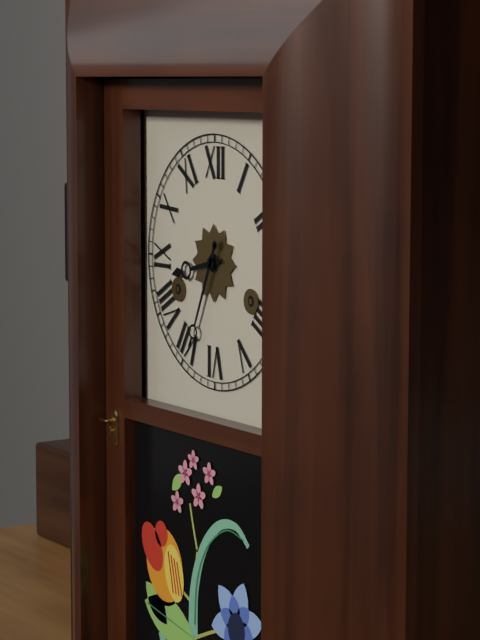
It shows 8:34
